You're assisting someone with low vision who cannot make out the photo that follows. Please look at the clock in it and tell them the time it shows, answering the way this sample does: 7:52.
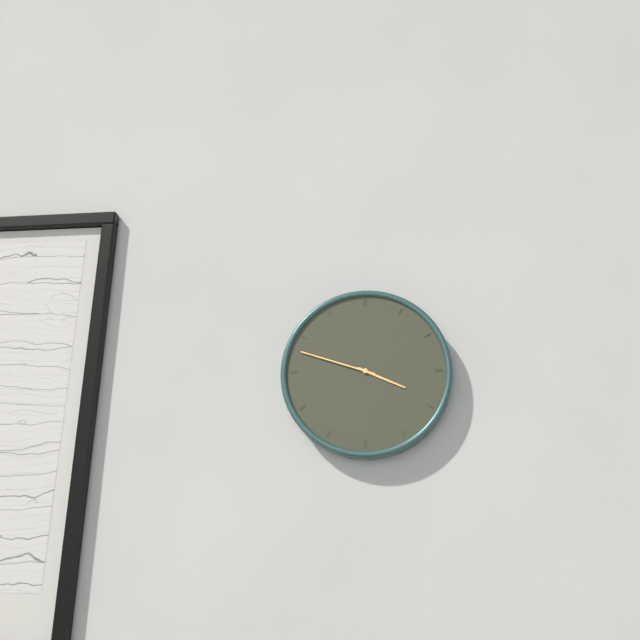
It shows 3:48
